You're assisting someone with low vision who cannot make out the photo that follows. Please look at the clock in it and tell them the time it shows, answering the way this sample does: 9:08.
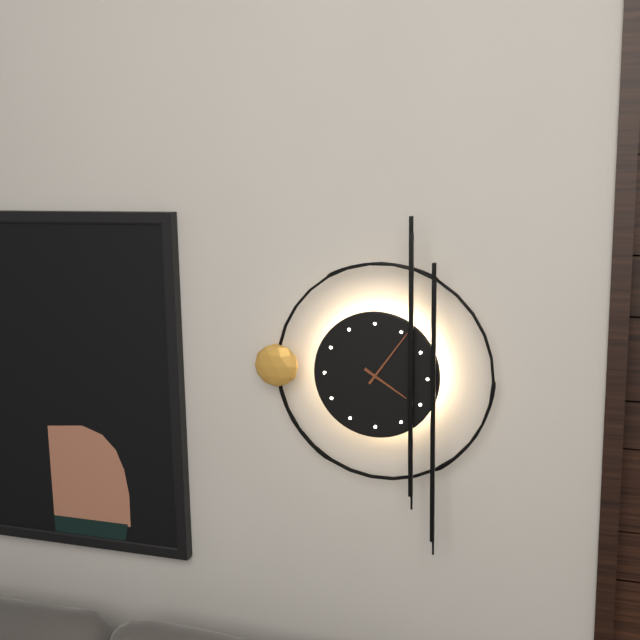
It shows 4:06
